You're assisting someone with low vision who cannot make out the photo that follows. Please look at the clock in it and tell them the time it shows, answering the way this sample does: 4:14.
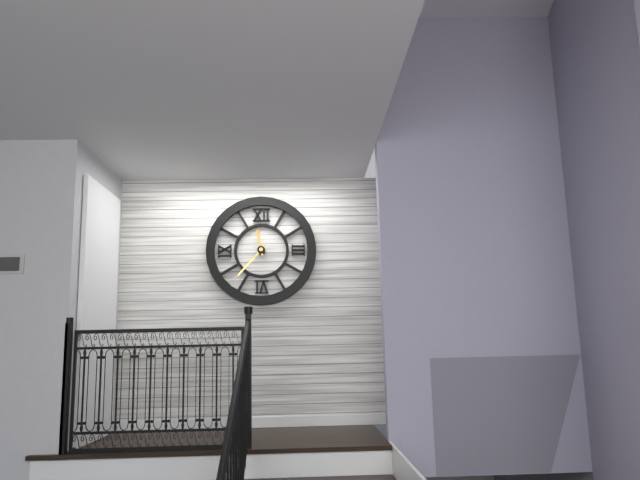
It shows 11:37
